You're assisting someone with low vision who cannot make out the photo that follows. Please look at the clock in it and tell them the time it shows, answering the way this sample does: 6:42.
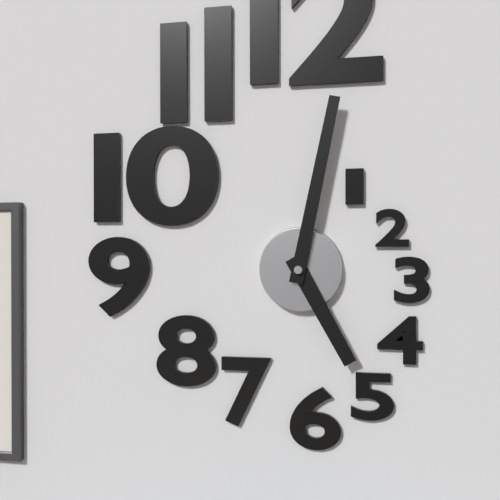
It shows 5:02
